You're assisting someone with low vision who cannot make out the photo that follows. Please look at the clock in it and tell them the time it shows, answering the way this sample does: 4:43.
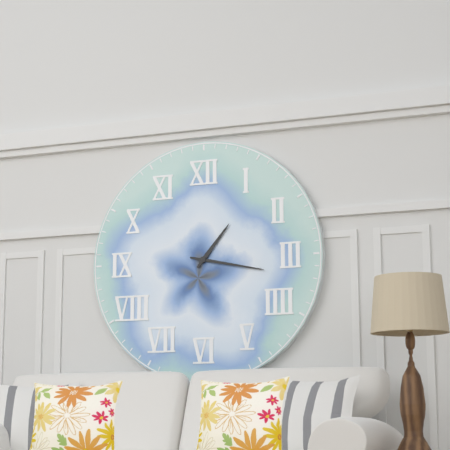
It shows 1:17
